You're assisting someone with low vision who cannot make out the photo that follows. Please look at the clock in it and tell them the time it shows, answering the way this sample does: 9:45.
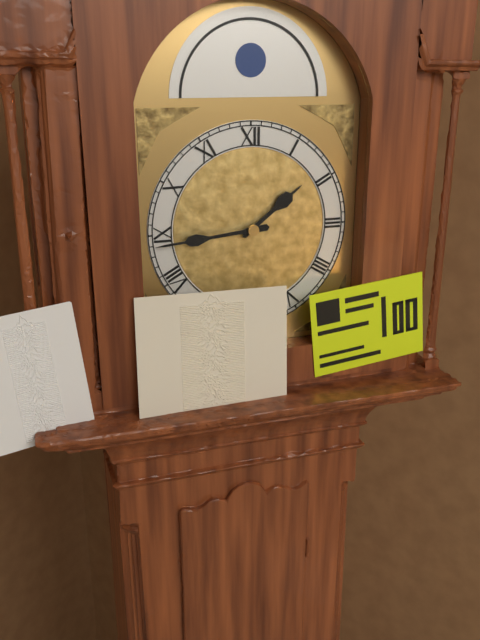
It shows 1:44
